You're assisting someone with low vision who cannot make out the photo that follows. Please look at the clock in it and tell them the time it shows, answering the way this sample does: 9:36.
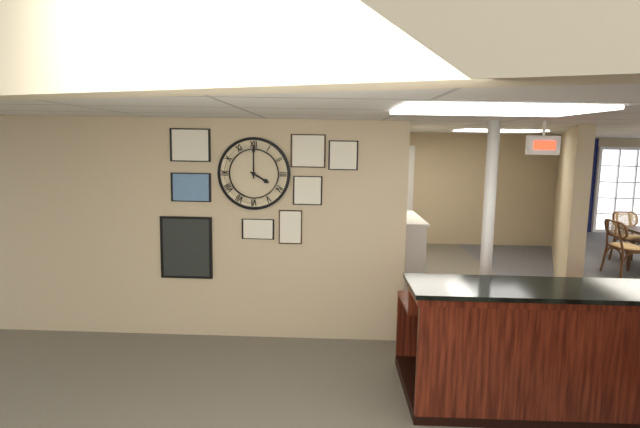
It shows 4:00
